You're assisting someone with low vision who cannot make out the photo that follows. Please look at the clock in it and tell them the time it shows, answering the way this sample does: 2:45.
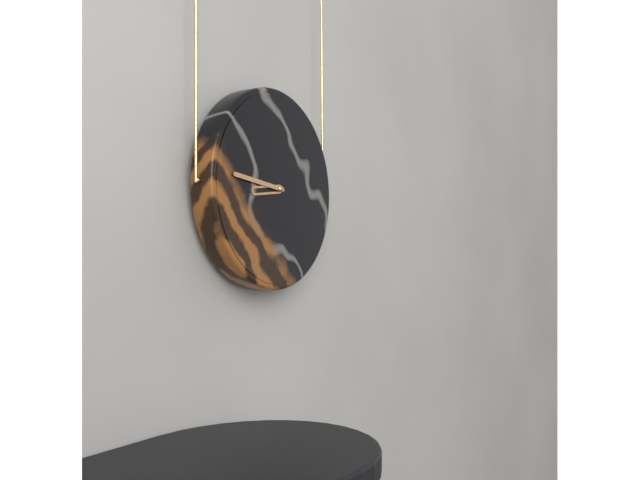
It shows 8:46
